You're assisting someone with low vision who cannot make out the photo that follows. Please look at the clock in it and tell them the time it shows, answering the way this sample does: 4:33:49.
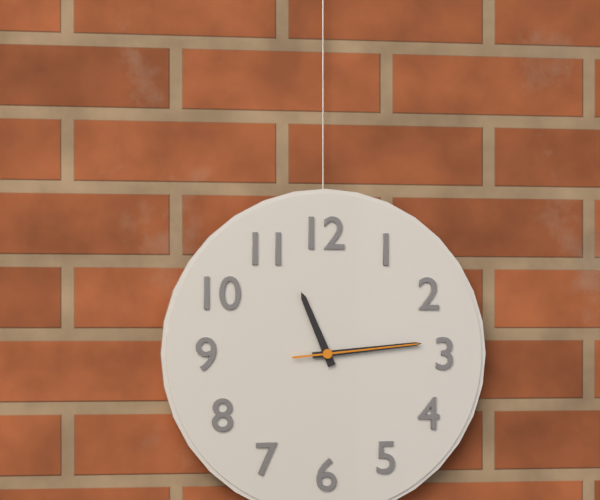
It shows 11:14:14
